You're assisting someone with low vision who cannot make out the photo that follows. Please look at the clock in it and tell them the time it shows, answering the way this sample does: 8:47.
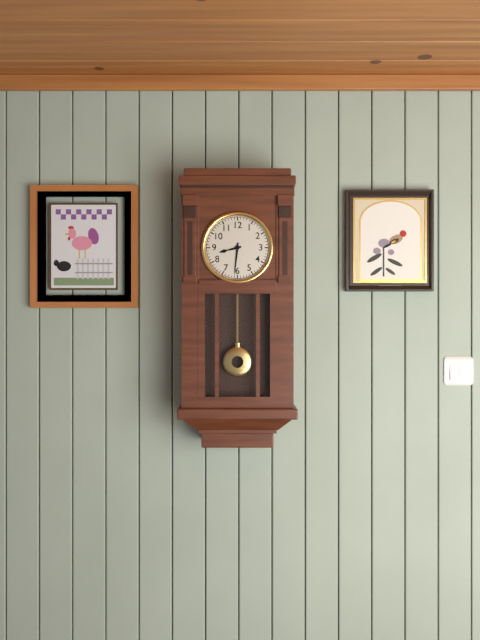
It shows 8:31
